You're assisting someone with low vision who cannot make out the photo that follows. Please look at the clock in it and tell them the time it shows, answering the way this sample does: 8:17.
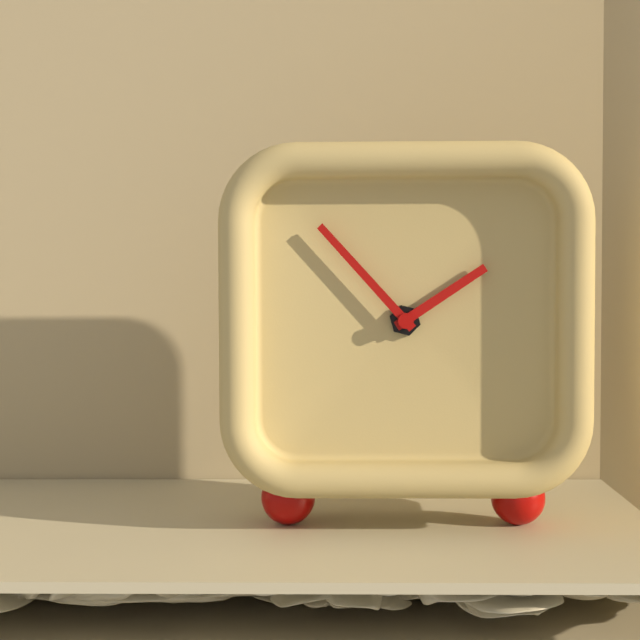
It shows 1:53
